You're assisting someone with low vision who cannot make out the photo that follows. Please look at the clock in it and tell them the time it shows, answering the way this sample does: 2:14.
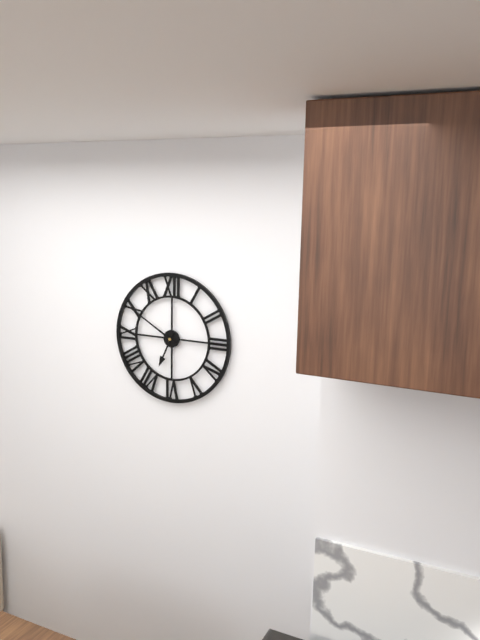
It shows 6:50
